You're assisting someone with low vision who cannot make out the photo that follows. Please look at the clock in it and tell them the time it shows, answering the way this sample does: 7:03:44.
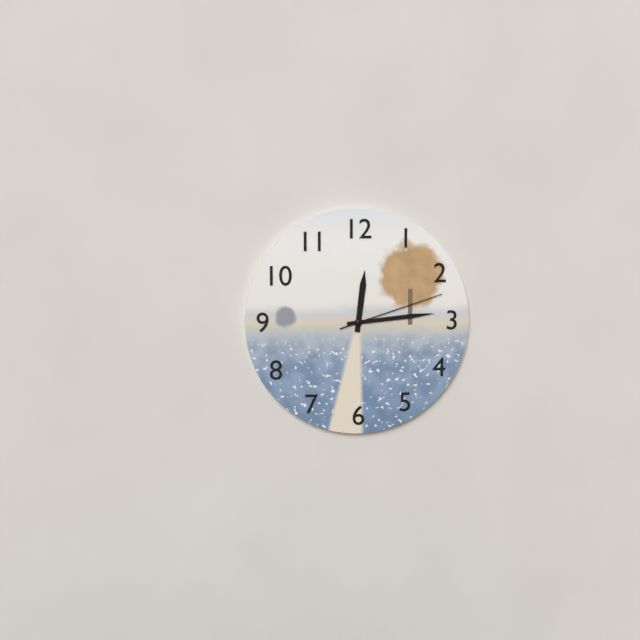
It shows 12:14:12
